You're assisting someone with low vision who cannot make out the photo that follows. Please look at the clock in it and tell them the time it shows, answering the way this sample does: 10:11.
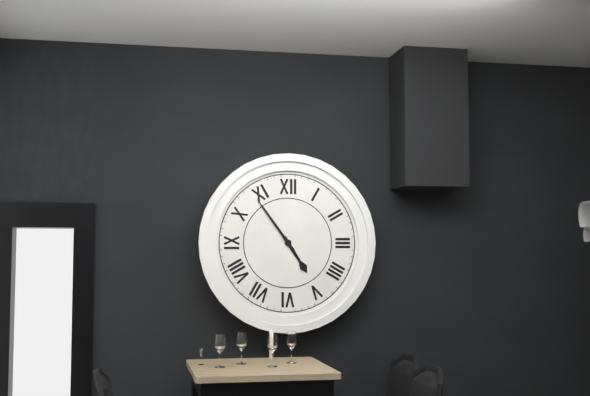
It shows 4:54
